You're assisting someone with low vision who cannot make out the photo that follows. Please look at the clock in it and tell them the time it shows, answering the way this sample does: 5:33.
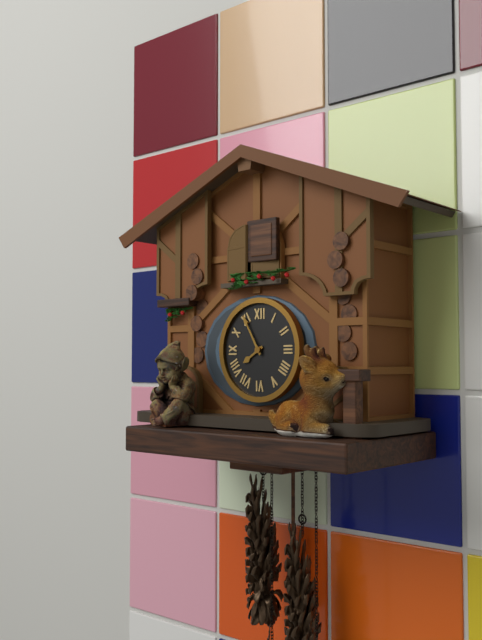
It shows 7:55
